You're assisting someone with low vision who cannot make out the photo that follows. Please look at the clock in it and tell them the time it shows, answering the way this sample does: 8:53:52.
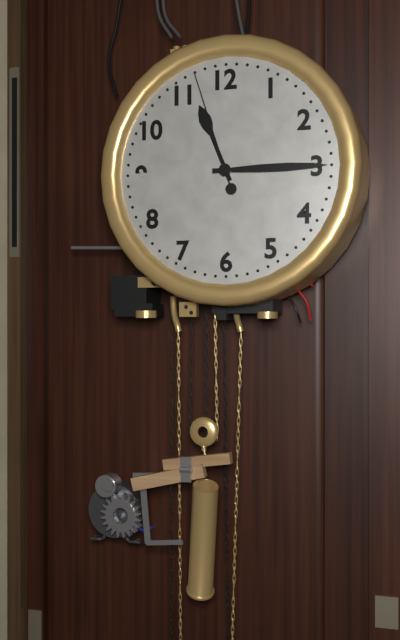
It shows 11:15:57
